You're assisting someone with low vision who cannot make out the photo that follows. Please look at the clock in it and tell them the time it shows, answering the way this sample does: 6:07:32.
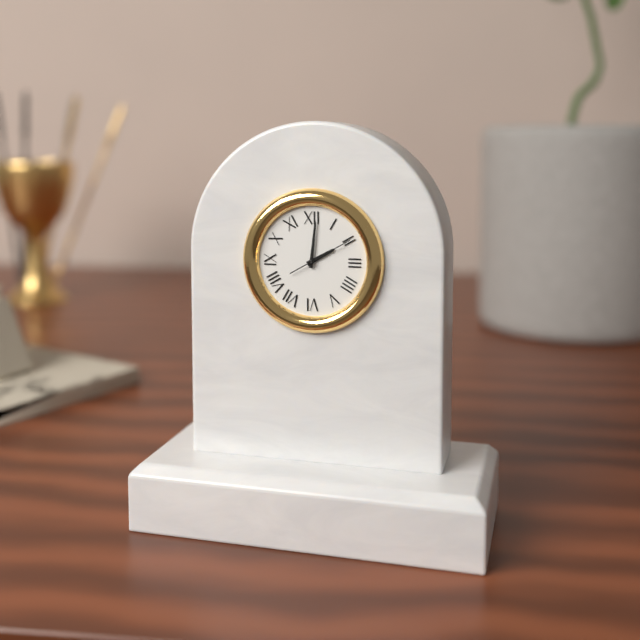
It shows 2:01:10
